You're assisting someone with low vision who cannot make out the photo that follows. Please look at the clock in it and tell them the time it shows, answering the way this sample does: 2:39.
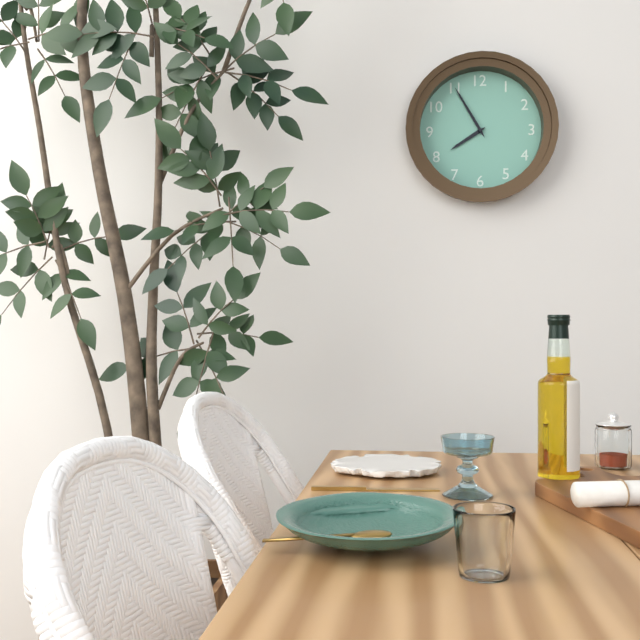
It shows 7:55
